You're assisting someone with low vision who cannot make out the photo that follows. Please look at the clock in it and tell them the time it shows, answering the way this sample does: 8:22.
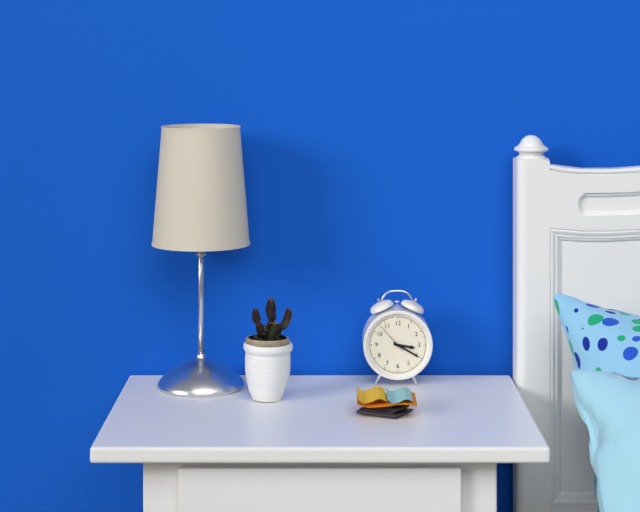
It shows 3:20
